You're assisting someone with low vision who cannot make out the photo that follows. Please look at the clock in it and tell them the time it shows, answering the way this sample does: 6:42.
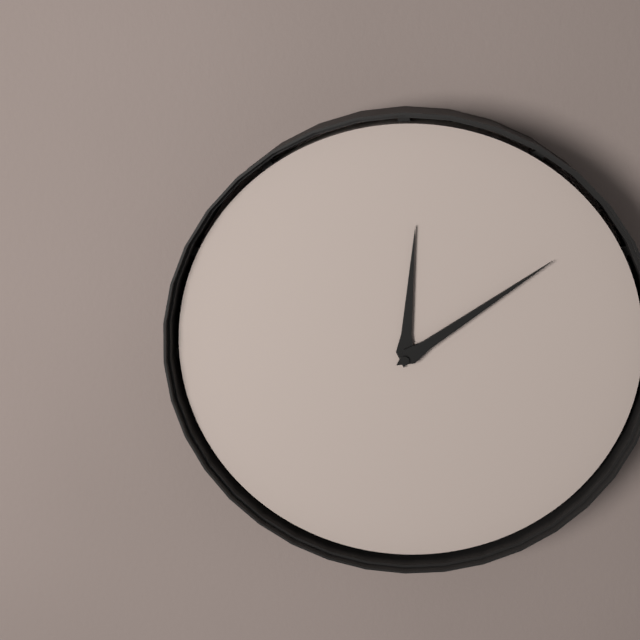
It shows 12:09
